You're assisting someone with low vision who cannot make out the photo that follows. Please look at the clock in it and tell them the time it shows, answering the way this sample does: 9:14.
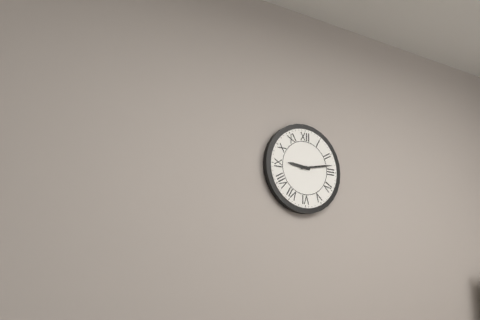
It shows 9:13
